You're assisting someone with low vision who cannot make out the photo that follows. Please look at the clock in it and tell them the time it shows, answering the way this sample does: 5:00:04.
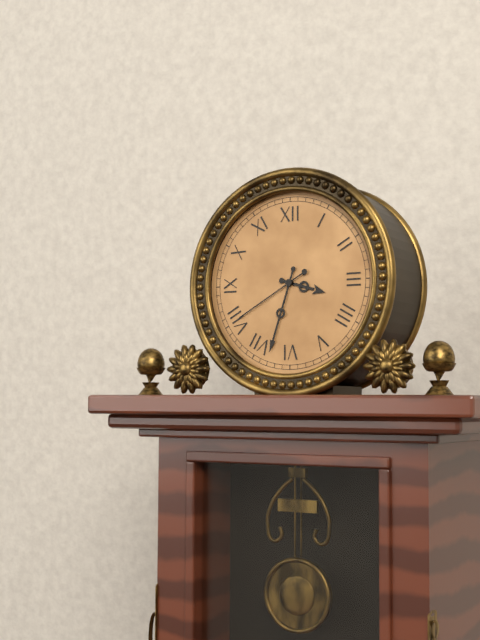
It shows 3:33:40
